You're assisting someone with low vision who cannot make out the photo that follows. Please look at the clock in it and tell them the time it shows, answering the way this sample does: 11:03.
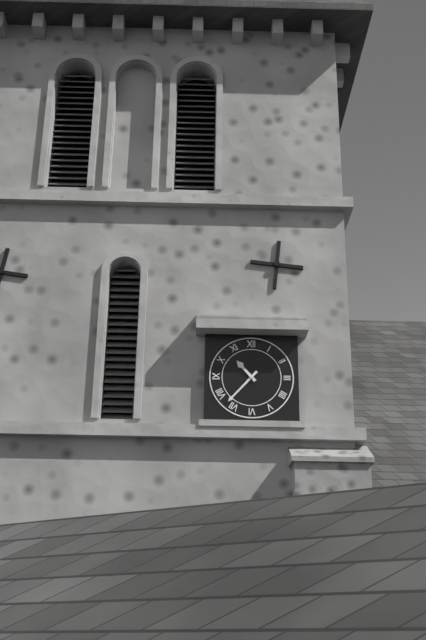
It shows 10:37
